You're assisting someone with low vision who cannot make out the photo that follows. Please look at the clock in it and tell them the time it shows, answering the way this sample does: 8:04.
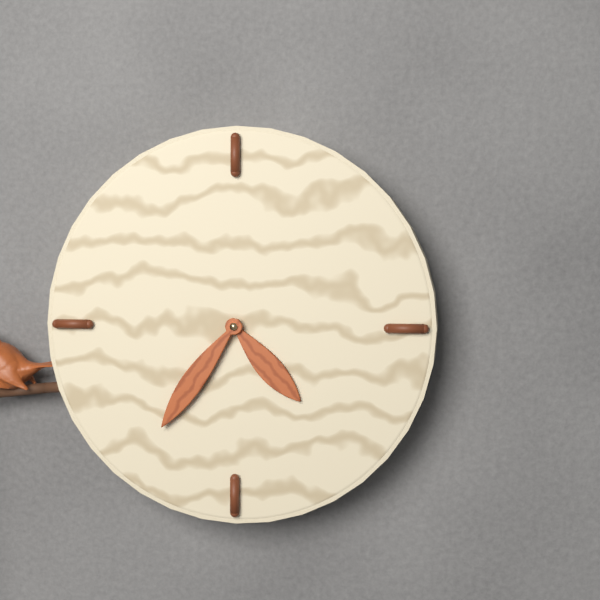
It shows 4:36
